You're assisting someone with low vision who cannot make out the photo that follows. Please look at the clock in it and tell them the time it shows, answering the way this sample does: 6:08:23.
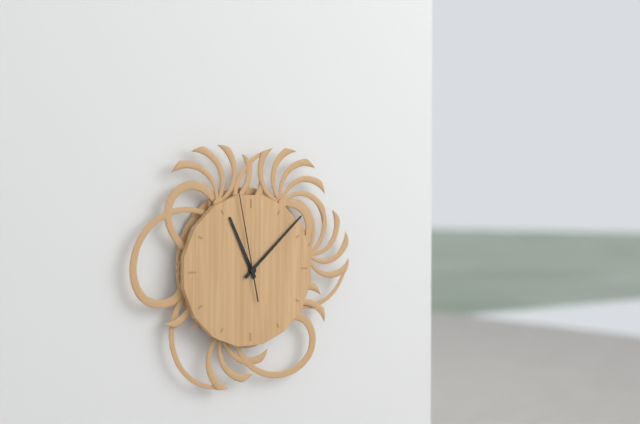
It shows 11:08:58
